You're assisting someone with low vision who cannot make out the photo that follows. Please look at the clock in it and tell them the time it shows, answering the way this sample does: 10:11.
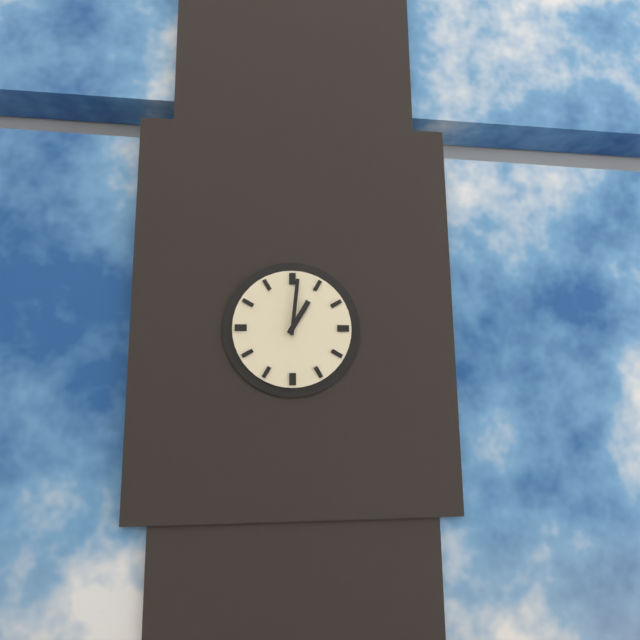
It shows 1:01
